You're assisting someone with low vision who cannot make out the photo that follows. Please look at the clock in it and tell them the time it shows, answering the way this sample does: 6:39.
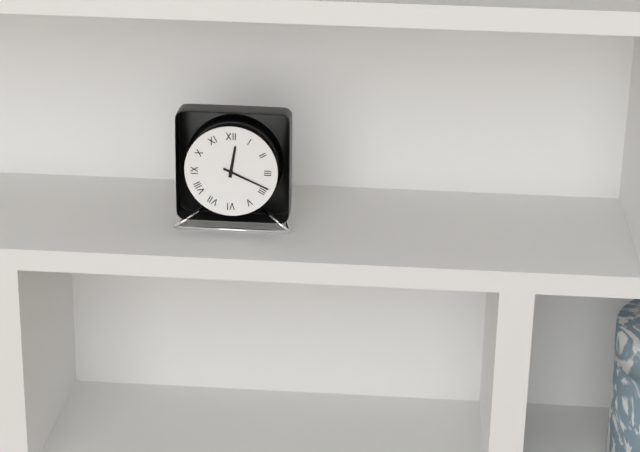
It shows 12:19
